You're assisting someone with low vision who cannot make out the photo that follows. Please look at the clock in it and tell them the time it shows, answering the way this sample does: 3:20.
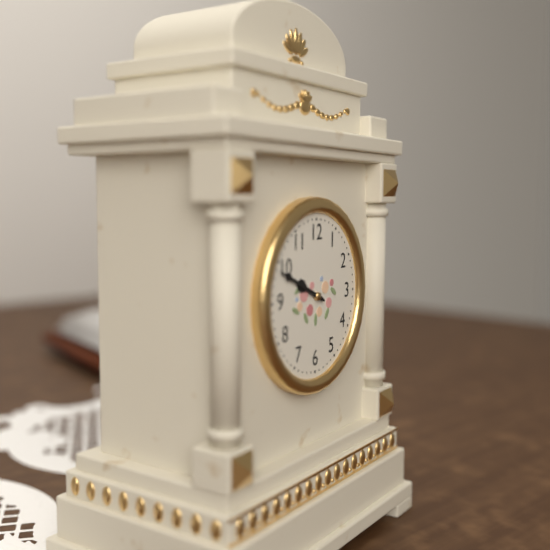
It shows 9:49
